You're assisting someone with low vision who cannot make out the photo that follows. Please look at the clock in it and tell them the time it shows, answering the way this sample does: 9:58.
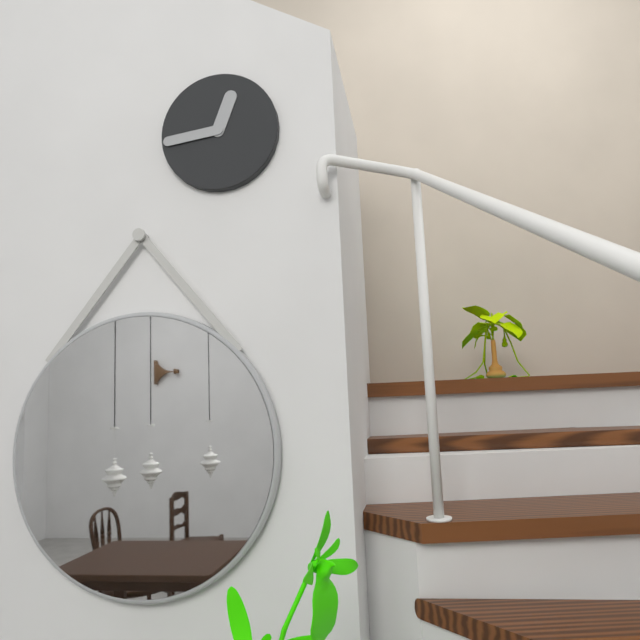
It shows 12:44
